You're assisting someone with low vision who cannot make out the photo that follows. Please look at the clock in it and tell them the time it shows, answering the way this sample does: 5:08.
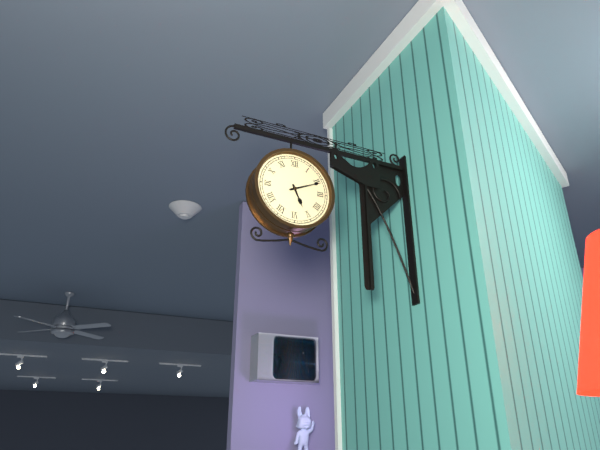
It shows 5:11
